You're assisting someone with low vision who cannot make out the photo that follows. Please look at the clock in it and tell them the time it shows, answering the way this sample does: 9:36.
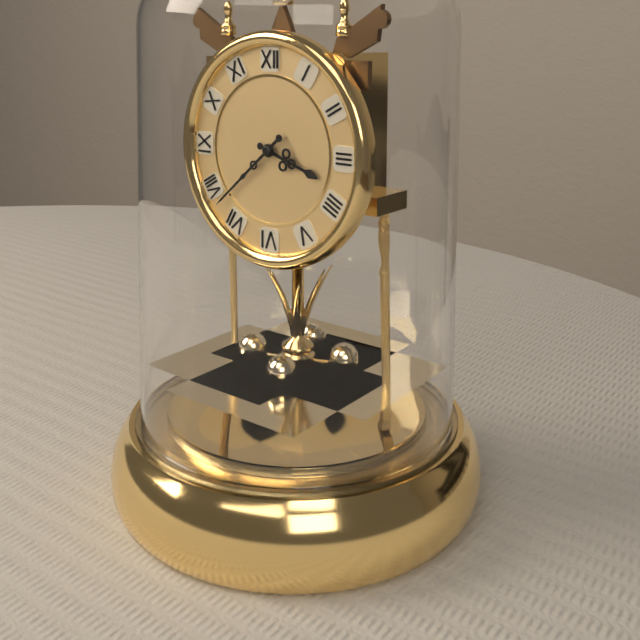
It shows 3:38
